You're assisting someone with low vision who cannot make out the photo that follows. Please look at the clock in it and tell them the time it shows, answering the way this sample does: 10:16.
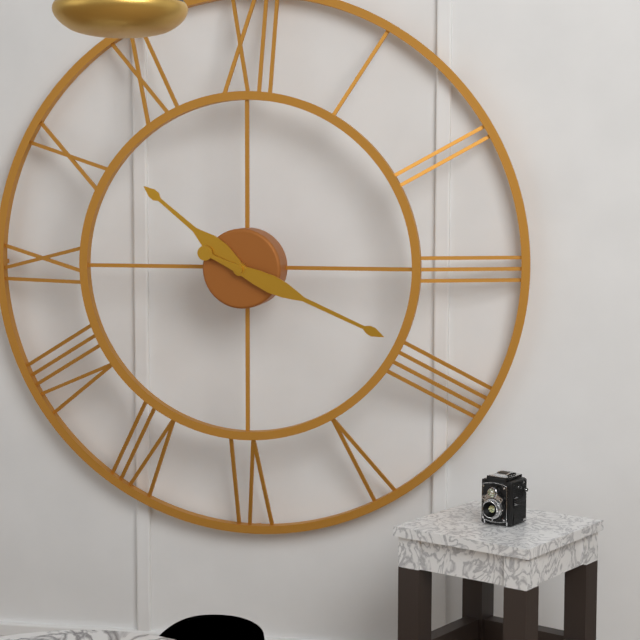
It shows 10:19
